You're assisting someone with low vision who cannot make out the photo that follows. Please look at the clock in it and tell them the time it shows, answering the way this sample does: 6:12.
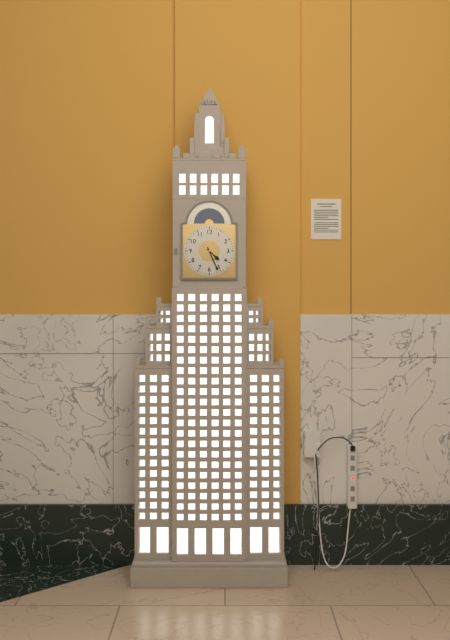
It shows 4:26
